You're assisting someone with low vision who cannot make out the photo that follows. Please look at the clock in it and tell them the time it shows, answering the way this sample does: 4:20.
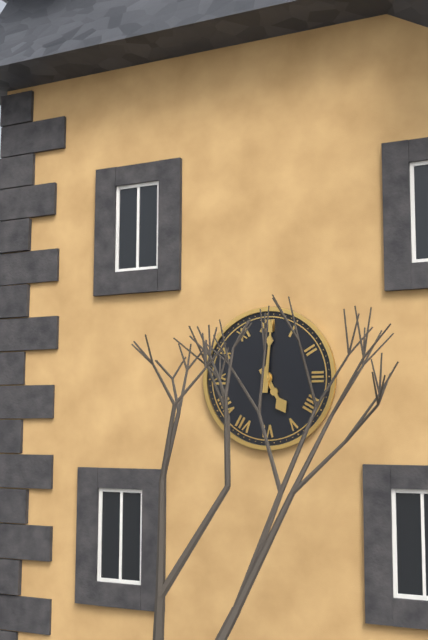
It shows 5:01
